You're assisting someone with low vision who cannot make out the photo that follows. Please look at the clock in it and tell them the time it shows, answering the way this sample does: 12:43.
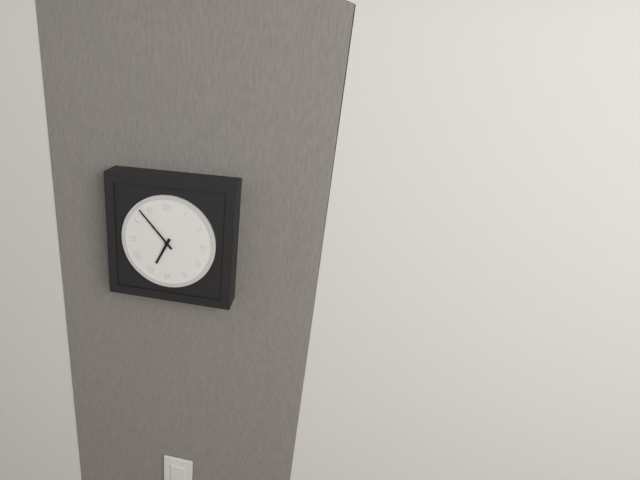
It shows 6:53
